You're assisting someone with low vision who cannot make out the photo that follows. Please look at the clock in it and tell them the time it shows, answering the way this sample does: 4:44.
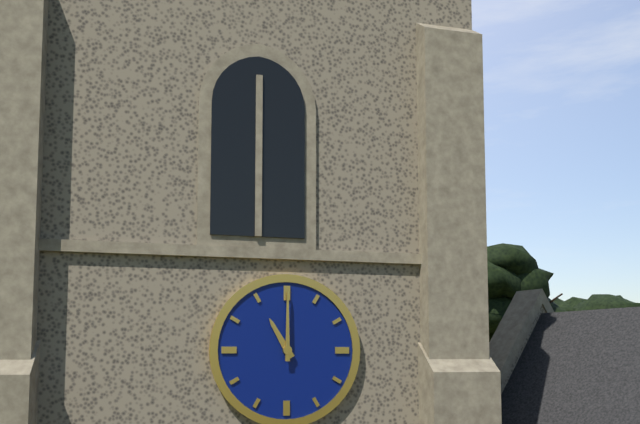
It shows 11:00
